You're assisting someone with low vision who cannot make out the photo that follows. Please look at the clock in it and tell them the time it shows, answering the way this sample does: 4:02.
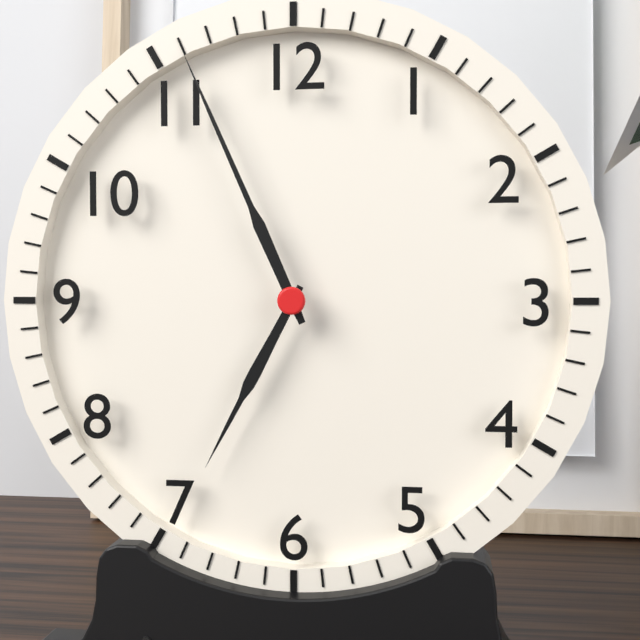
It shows 6:56
